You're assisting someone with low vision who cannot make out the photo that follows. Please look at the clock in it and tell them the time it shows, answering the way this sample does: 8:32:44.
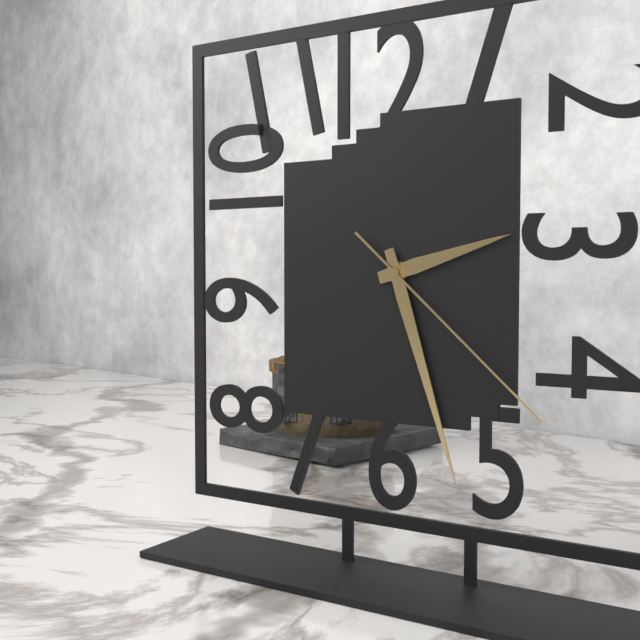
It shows 2:27:22
